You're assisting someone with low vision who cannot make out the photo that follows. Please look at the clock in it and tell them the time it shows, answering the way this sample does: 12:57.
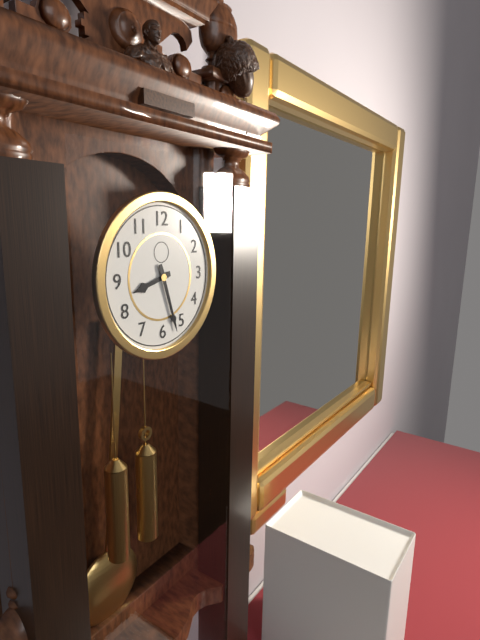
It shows 8:27
